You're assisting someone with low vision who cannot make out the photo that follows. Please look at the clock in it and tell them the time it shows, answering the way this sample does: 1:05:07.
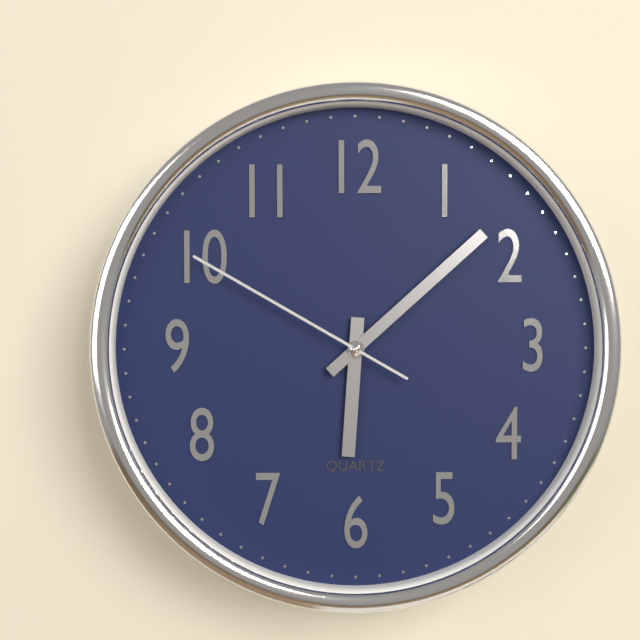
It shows 6:08:50
